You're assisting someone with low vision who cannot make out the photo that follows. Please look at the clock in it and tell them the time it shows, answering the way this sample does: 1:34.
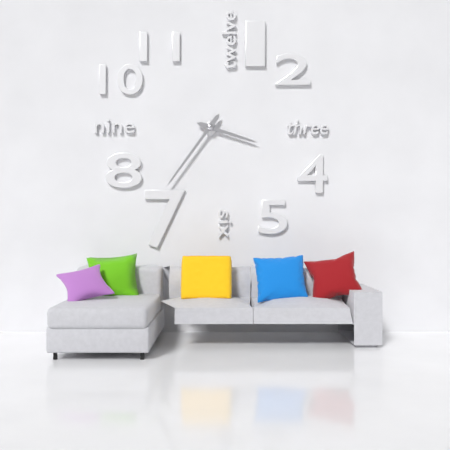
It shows 3:36
